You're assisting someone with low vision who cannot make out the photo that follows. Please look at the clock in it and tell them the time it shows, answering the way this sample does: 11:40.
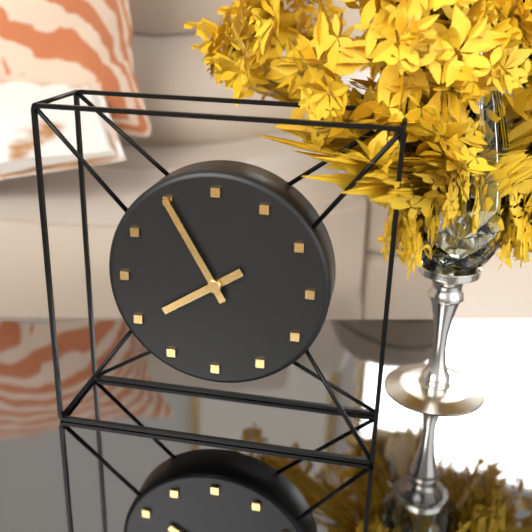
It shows 7:55
